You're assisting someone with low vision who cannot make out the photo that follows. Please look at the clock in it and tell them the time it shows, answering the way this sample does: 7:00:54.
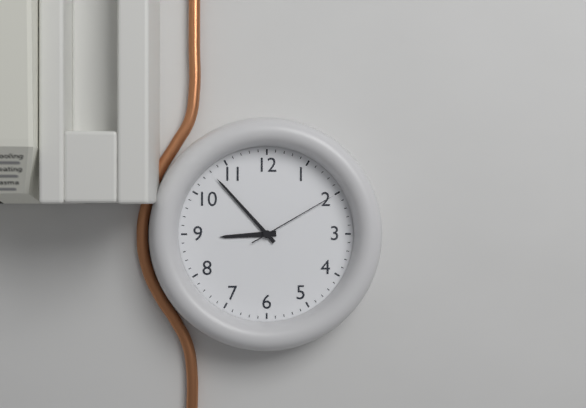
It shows 8:53:10
